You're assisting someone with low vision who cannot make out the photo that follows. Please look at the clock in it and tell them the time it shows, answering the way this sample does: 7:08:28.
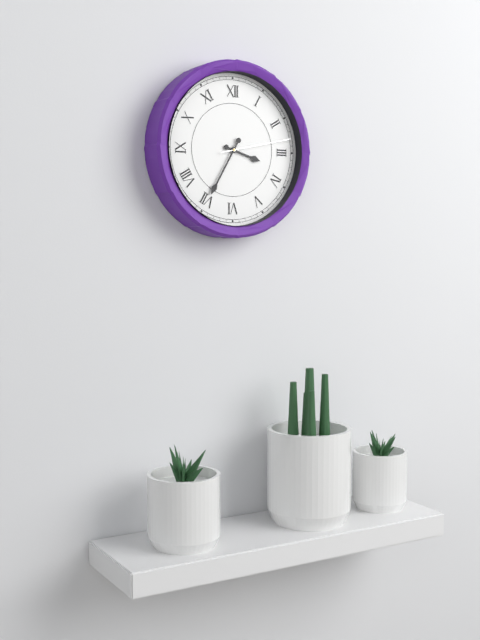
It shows 3:35:13
